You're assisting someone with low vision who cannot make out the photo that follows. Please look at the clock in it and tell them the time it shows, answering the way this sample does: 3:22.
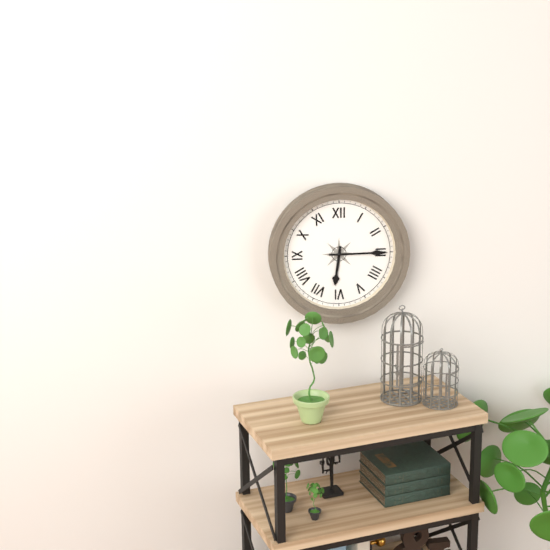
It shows 6:15
